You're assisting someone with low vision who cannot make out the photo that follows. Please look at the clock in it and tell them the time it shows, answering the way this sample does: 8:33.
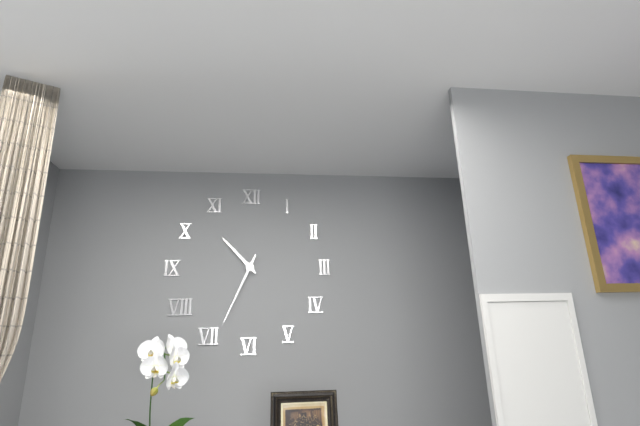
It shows 10:34
